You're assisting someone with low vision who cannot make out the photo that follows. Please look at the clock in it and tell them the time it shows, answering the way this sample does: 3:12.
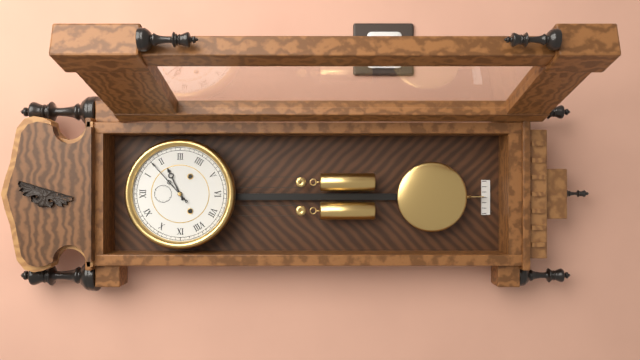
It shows 2:08
